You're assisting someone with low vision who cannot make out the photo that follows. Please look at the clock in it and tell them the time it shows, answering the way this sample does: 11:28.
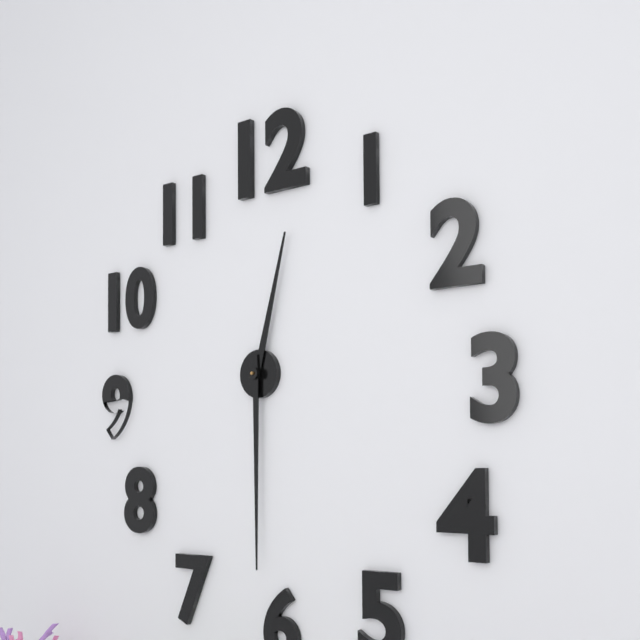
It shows 12:30
